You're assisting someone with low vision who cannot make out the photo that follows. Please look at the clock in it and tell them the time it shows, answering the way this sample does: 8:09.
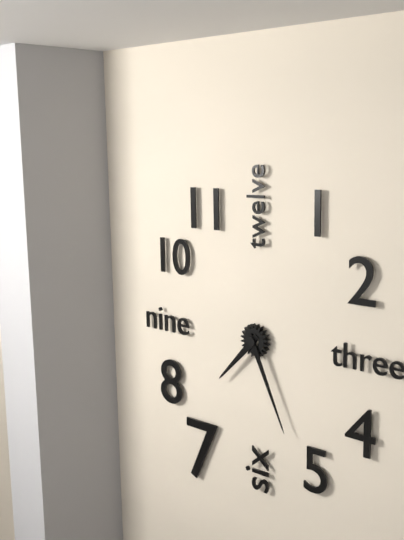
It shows 7:26
